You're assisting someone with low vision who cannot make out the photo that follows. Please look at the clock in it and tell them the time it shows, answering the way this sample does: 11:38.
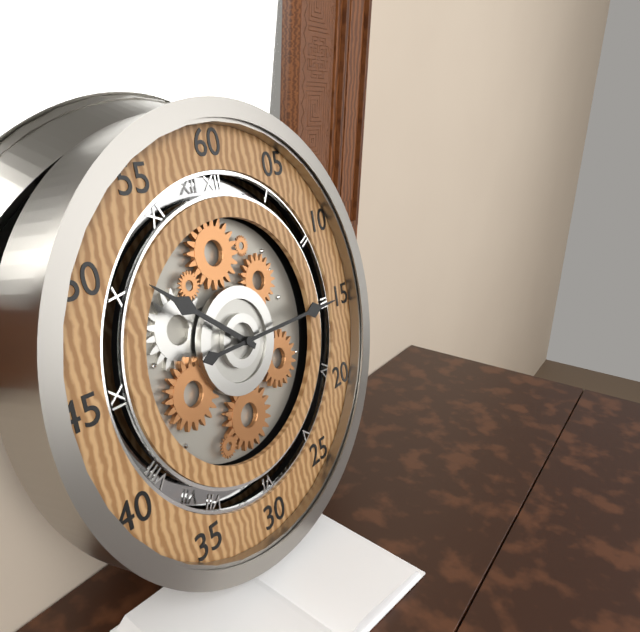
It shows 10:15
